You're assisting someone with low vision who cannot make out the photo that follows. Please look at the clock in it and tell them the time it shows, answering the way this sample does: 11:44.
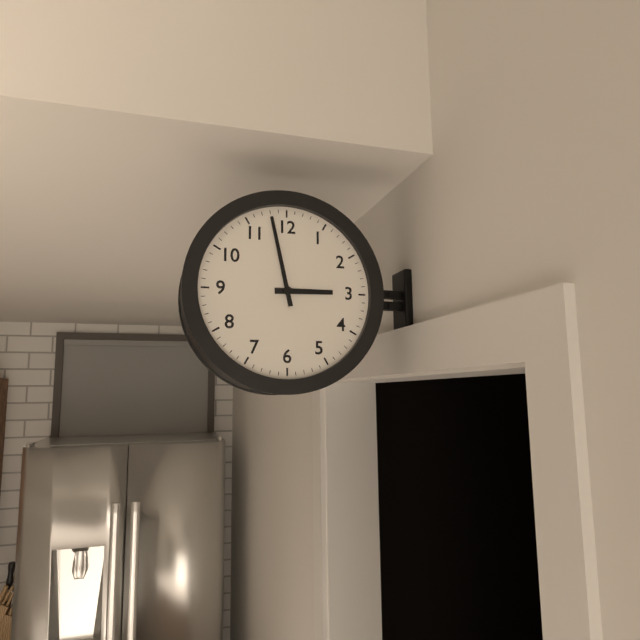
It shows 2:58
